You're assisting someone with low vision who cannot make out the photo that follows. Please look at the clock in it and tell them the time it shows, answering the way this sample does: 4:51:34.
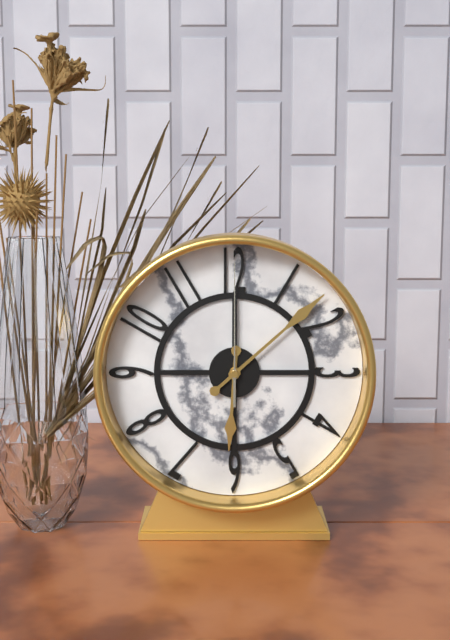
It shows 6:08:00
